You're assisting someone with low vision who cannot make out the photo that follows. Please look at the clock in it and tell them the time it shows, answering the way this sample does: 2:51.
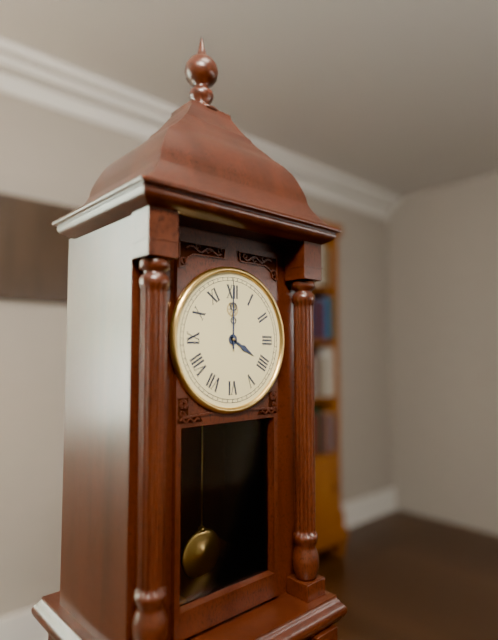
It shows 4:00
